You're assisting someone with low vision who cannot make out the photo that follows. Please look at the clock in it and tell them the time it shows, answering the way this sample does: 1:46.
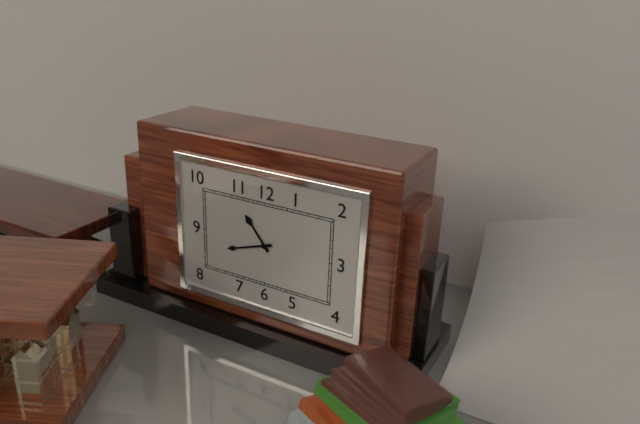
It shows 10:42
